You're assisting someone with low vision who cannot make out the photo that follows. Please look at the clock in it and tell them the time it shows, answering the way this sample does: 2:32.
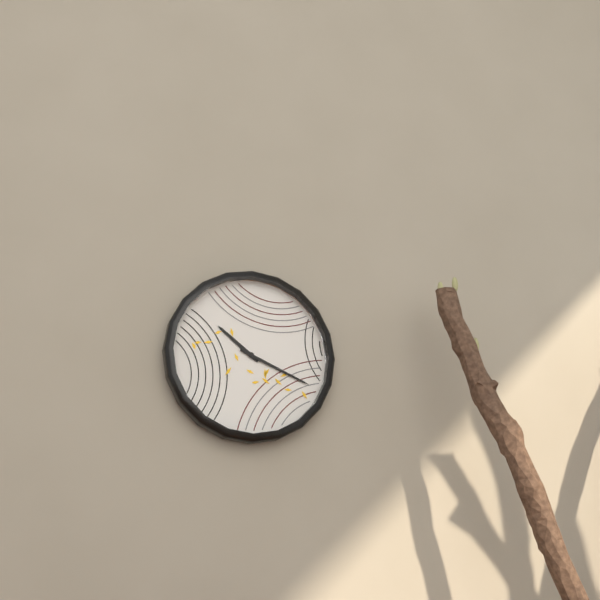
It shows 10:19
